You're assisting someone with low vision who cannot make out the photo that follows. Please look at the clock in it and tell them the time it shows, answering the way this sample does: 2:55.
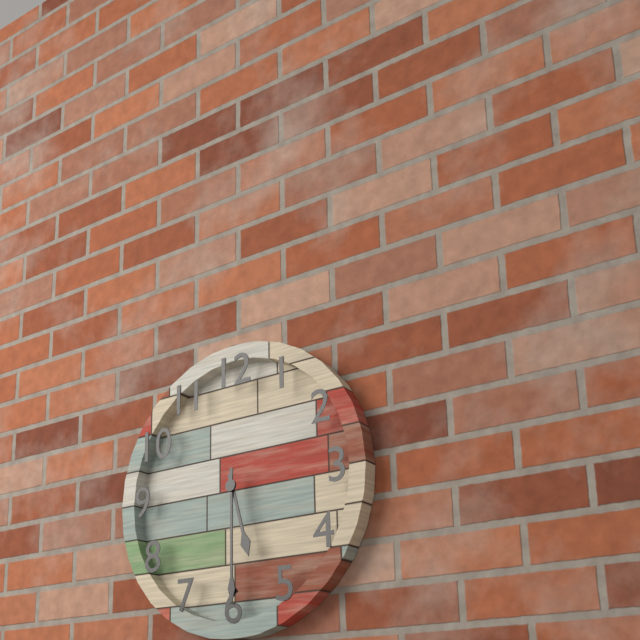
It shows 5:30
